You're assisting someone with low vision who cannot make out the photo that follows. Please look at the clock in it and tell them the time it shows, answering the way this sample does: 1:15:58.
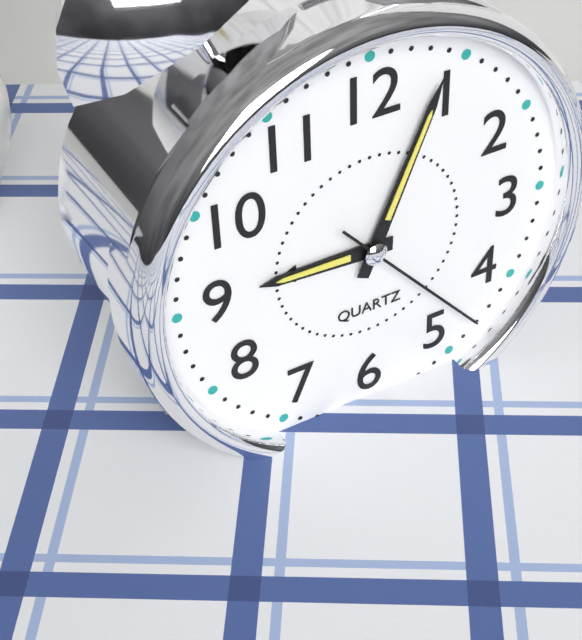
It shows 9:04:23
